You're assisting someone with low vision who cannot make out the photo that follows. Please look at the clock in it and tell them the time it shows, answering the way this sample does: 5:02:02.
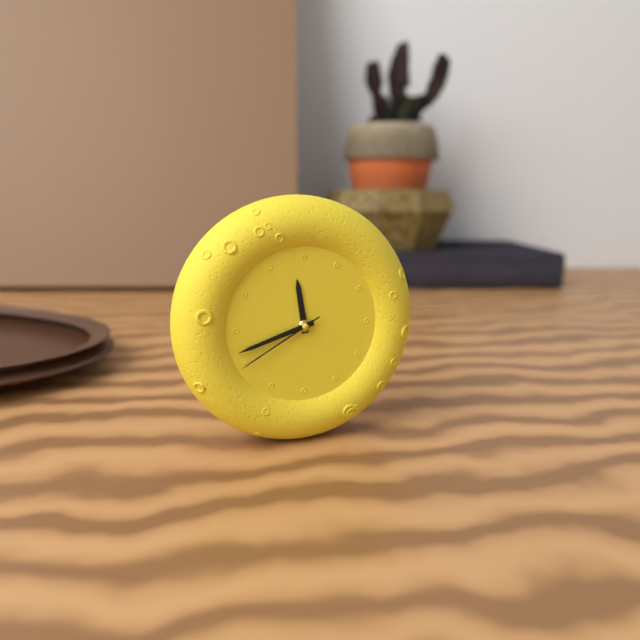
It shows 11:42:40
